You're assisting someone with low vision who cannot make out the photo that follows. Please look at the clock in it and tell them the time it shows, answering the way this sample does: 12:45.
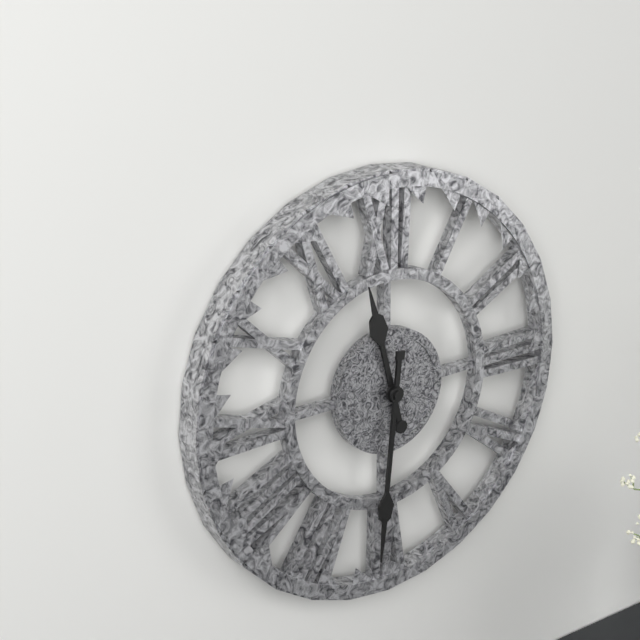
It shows 11:31
